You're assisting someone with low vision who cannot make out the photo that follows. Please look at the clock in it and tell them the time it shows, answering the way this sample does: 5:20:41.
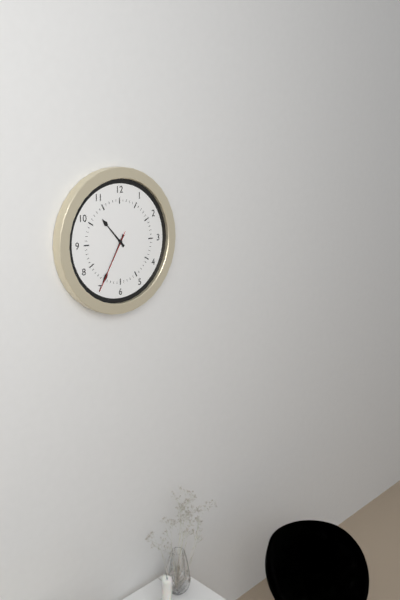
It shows 10:35:35
